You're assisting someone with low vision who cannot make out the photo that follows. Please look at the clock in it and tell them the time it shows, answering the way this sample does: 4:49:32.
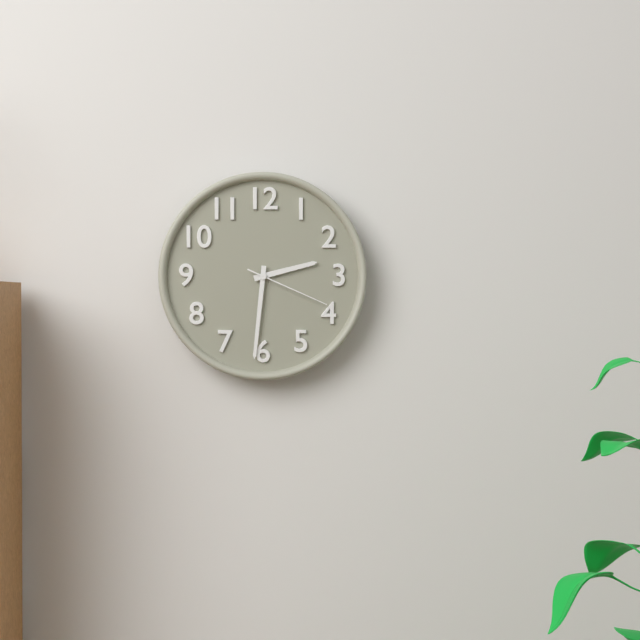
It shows 2:31:19
